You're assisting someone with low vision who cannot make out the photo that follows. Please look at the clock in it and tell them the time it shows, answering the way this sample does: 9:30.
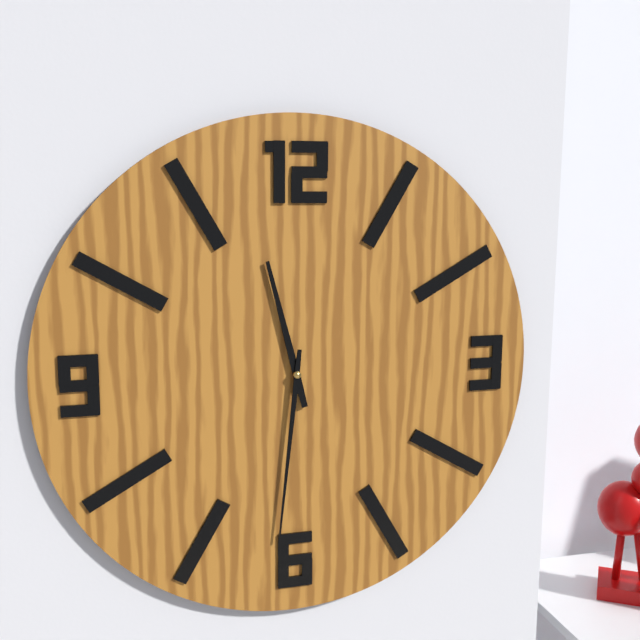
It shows 11:31
